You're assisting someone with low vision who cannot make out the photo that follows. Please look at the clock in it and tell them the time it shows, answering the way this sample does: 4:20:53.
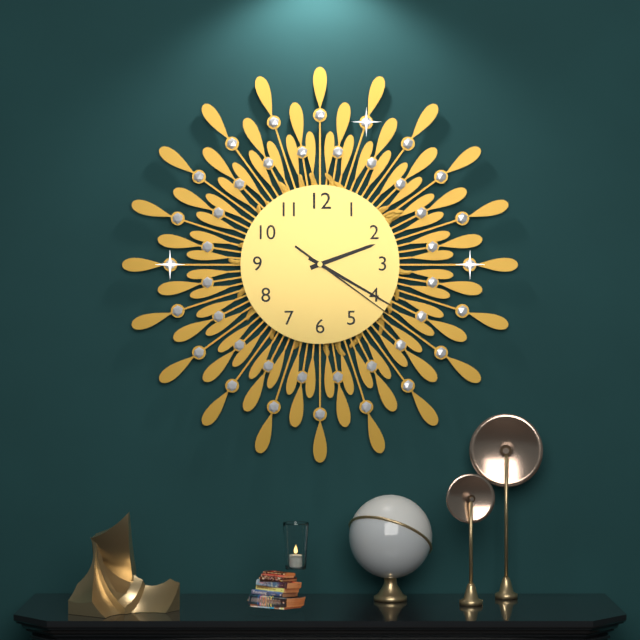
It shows 2:20:21
